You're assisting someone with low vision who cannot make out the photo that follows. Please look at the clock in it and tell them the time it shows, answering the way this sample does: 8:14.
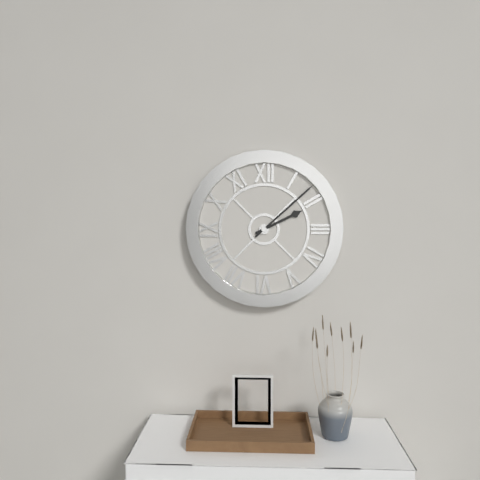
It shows 2:08
